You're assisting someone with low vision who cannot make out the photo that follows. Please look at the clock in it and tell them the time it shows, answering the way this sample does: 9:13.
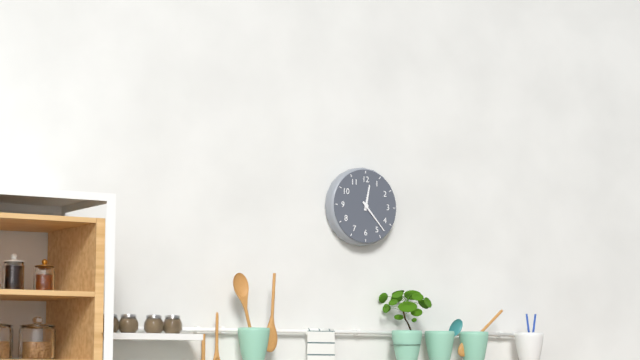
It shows 12:23
